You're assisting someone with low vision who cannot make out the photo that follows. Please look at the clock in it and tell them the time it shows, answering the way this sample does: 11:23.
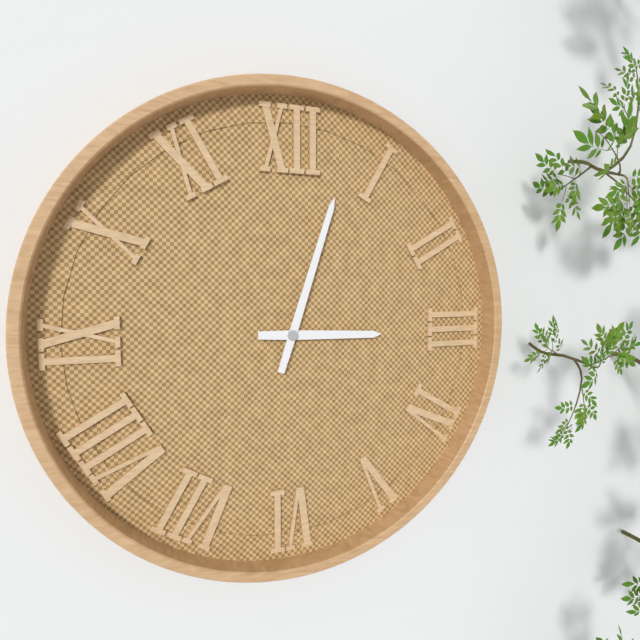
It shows 3:03
